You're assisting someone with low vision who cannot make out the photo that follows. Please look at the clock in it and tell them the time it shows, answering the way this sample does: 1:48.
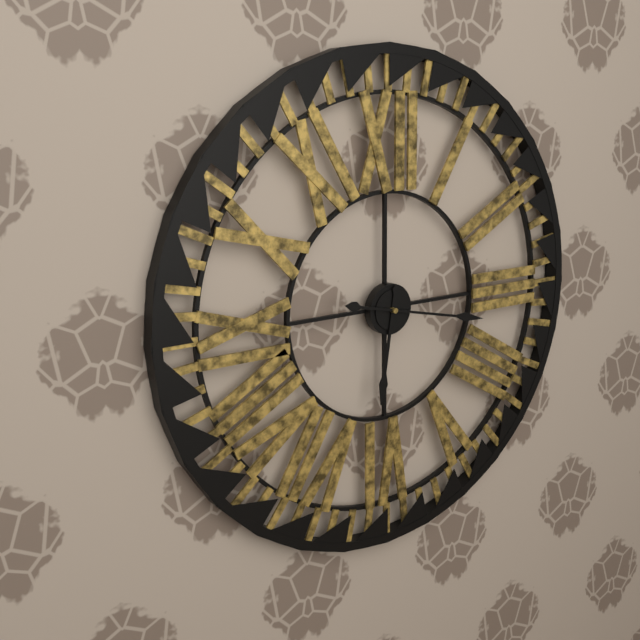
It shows 6:17
